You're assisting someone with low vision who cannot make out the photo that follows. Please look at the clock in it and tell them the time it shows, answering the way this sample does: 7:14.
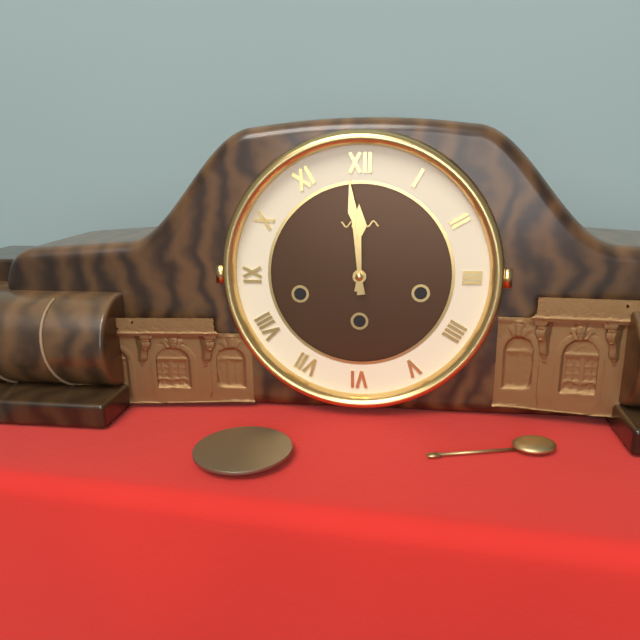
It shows 11:59
